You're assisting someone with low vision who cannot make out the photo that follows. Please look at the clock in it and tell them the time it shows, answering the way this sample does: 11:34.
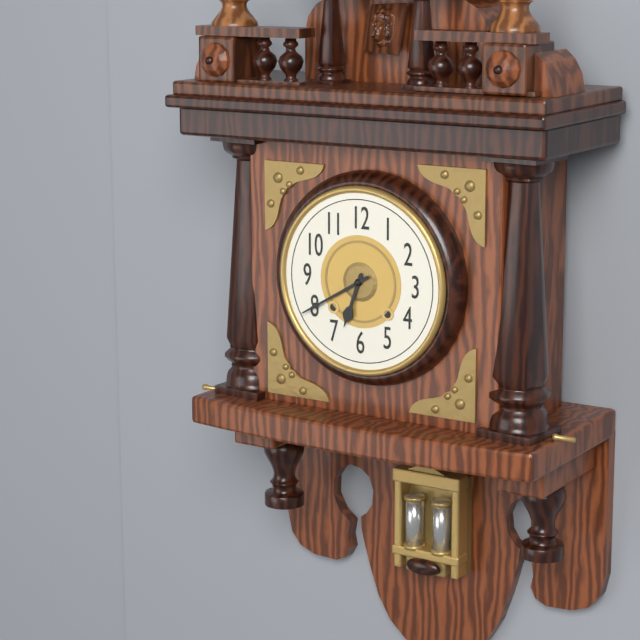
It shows 6:40
